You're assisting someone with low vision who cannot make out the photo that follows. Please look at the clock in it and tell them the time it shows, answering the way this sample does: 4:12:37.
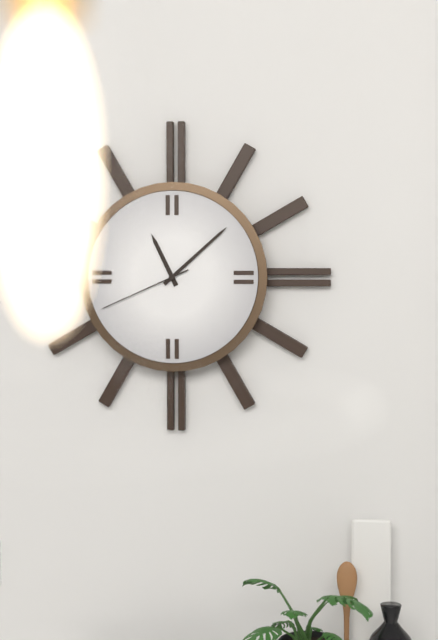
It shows 11:08:41
